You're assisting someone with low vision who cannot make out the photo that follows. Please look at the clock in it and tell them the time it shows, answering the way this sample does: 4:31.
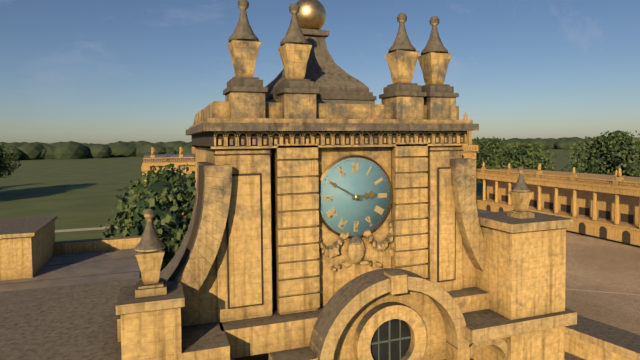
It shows 2:50
